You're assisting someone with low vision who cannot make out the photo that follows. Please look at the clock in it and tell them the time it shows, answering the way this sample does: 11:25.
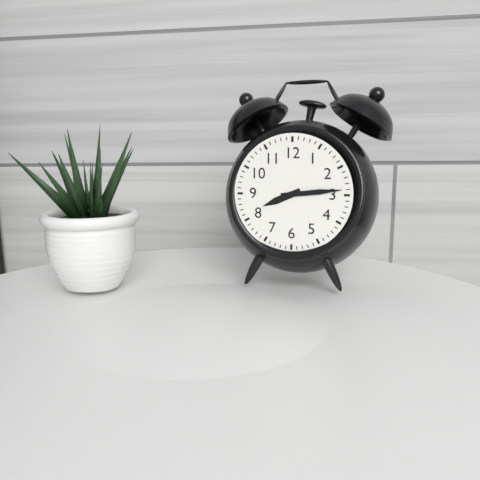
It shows 8:14
